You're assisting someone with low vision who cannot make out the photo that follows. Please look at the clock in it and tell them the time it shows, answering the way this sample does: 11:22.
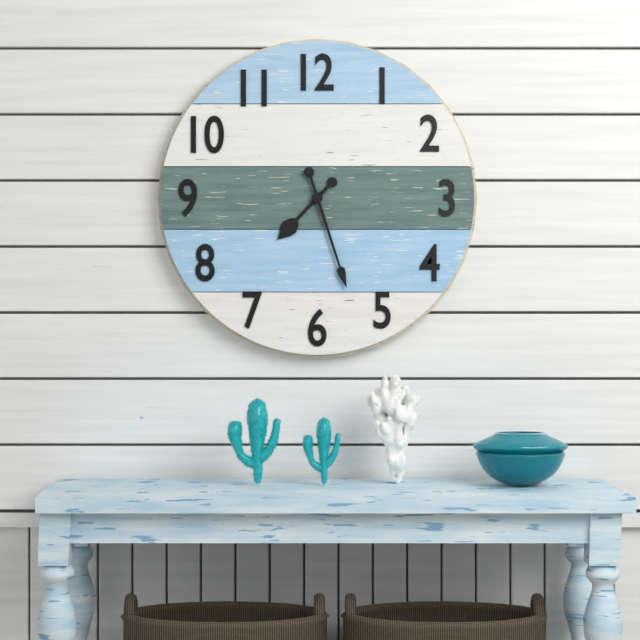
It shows 7:27
